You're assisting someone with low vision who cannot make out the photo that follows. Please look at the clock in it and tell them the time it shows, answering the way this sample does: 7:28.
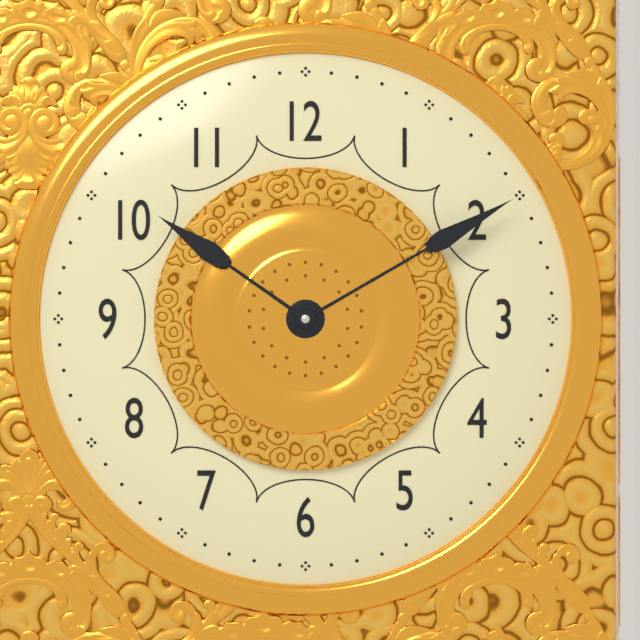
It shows 10:10
